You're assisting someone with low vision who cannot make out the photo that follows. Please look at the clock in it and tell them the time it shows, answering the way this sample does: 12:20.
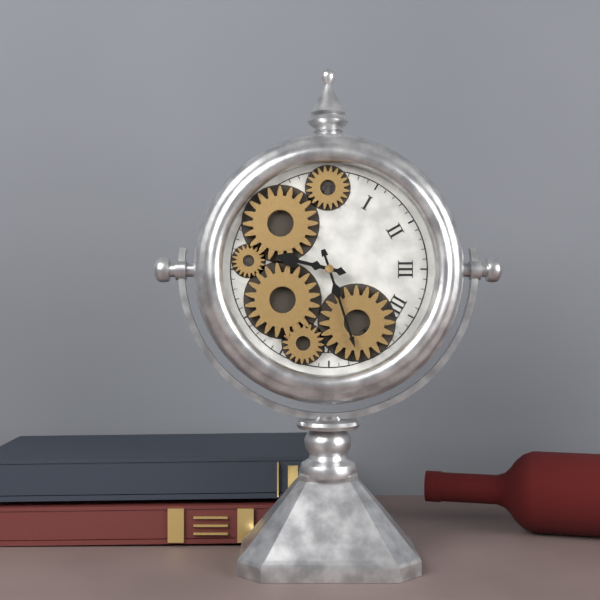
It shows 9:27
